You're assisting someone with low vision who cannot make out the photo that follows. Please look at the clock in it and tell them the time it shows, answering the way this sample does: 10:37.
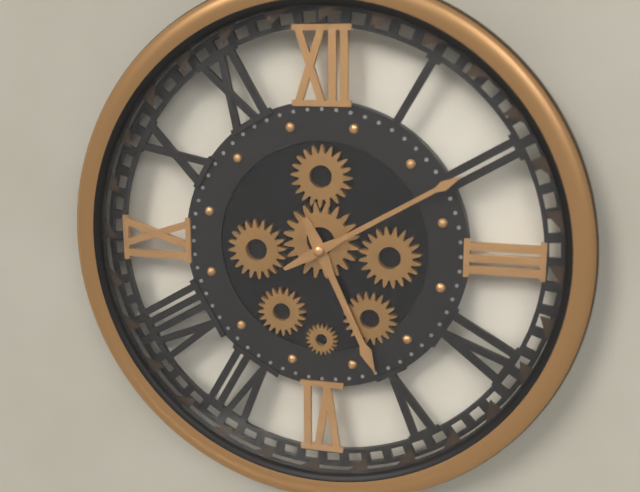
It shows 5:10
